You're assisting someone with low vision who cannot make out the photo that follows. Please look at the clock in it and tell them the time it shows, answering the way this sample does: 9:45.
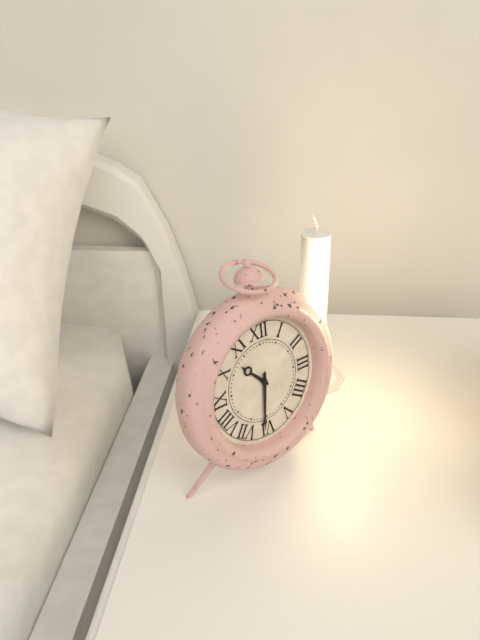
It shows 10:31
